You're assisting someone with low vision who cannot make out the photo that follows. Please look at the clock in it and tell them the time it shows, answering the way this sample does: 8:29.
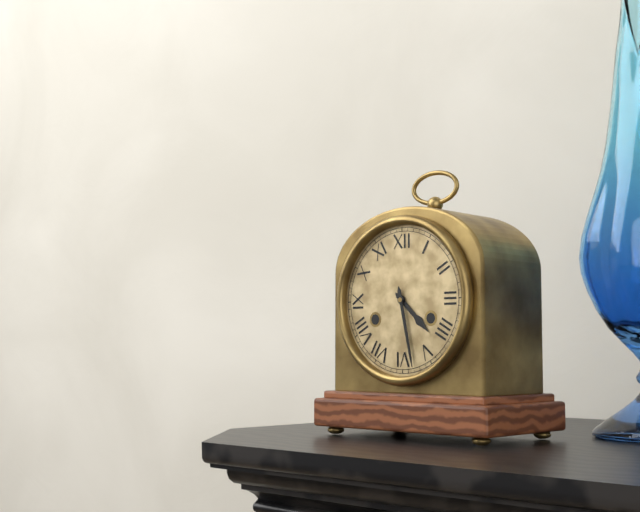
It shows 4:28
